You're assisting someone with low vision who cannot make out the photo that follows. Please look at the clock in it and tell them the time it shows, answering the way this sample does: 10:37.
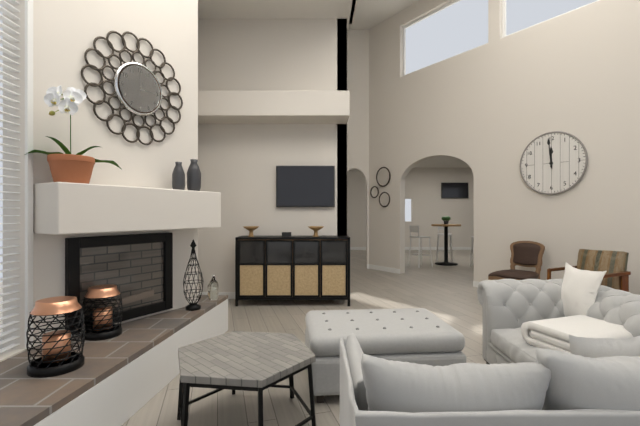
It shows 11:59
